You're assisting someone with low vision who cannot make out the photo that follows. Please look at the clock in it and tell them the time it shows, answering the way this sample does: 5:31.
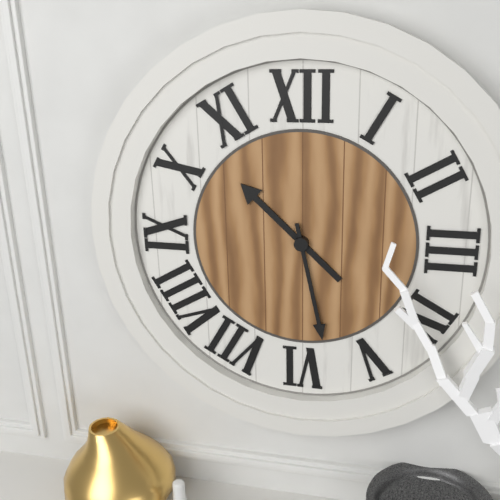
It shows 10:28
